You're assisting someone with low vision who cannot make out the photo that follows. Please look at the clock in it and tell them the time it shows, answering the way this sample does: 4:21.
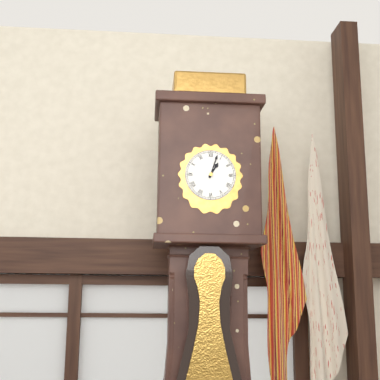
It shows 1:03
